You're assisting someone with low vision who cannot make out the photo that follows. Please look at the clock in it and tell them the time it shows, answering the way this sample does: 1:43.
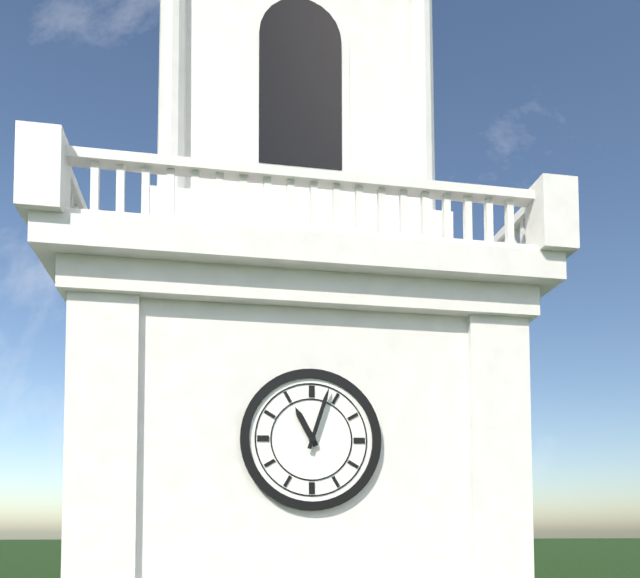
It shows 11:03
